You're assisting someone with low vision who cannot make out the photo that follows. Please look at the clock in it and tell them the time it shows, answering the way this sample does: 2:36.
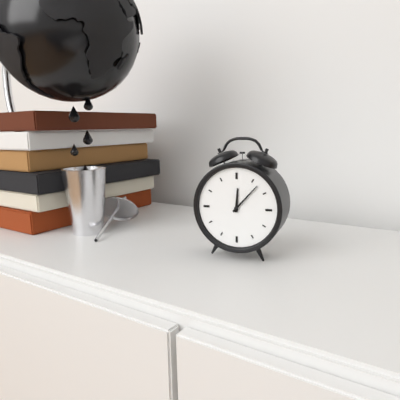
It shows 12:07
